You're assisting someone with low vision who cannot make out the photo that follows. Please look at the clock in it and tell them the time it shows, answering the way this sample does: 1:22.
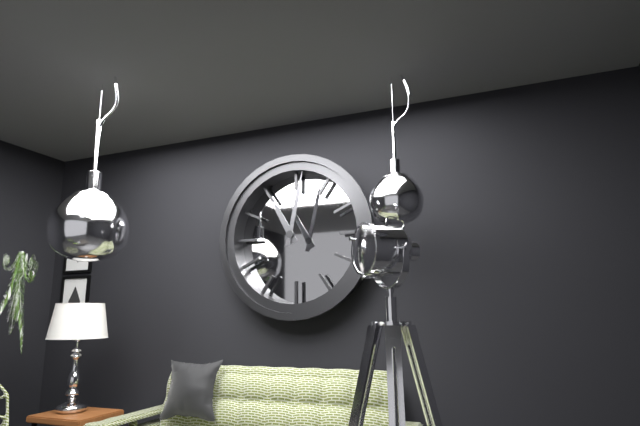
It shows 11:02
